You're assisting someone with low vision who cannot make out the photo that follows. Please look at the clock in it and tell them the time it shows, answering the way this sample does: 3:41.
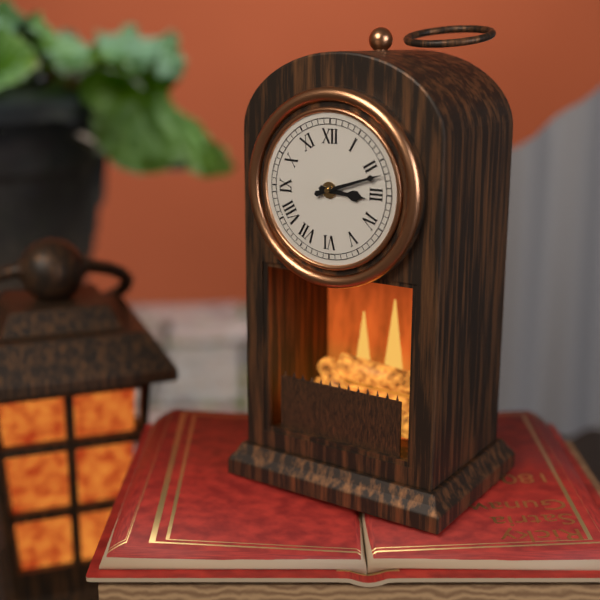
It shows 3:12
